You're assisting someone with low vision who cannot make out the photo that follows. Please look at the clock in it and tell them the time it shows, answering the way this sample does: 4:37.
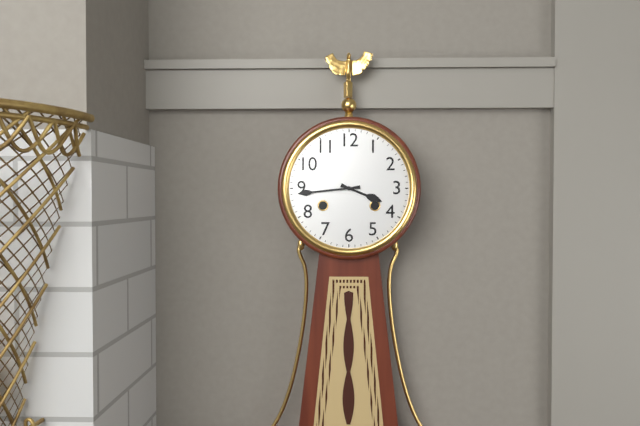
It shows 3:44
